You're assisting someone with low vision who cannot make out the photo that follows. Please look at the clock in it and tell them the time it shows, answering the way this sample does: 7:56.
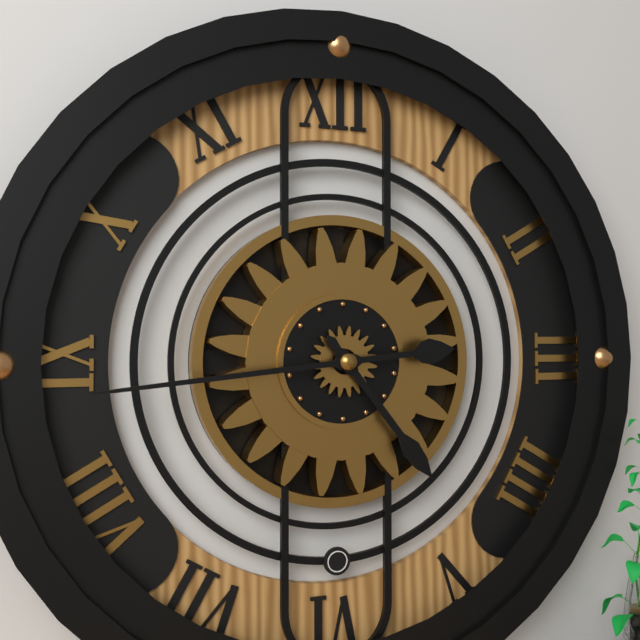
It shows 4:44
